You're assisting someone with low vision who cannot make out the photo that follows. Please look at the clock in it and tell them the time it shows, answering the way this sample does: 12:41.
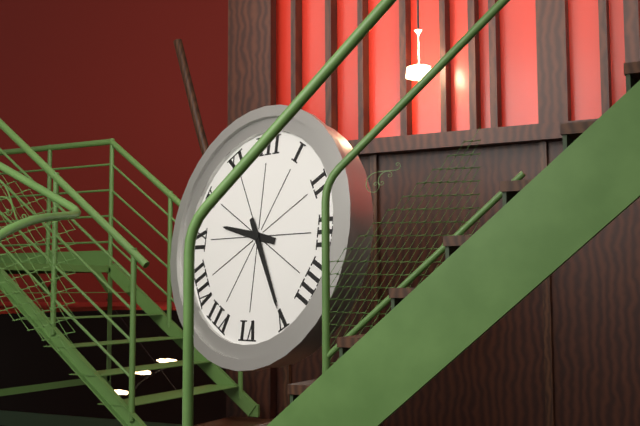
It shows 9:25
